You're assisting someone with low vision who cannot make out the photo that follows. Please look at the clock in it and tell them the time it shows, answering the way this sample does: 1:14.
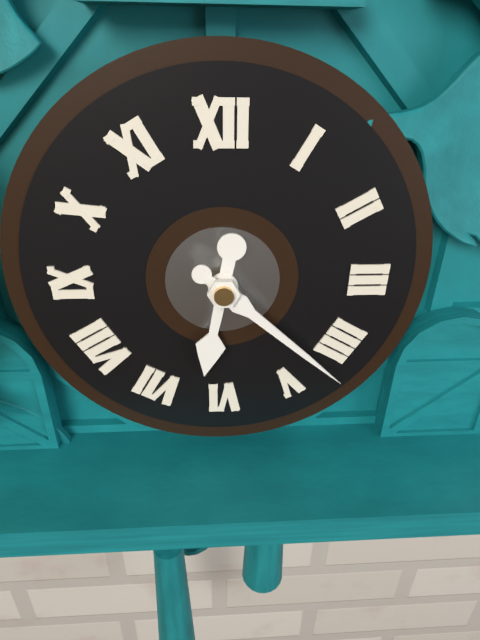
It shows 6:22
